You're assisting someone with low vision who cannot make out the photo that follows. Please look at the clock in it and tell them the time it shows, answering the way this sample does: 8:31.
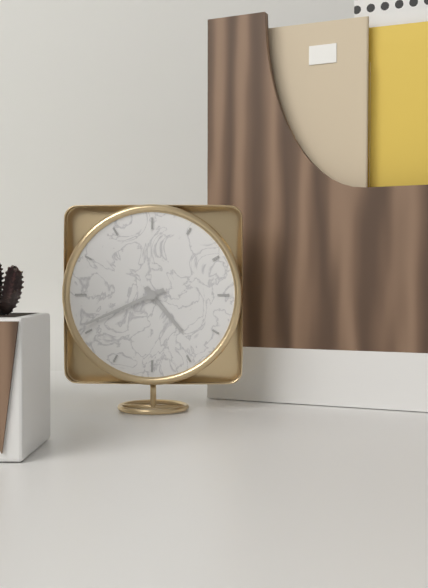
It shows 4:41
